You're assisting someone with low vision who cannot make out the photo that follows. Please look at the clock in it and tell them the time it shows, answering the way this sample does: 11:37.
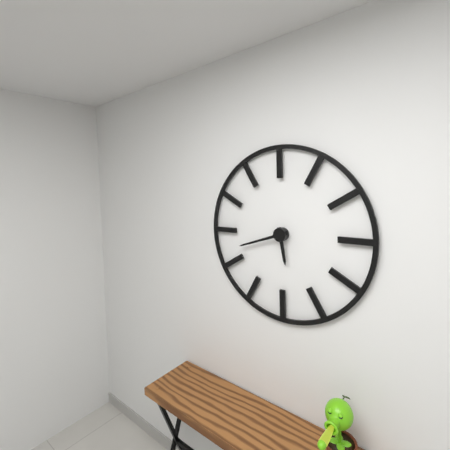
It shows 5:42
